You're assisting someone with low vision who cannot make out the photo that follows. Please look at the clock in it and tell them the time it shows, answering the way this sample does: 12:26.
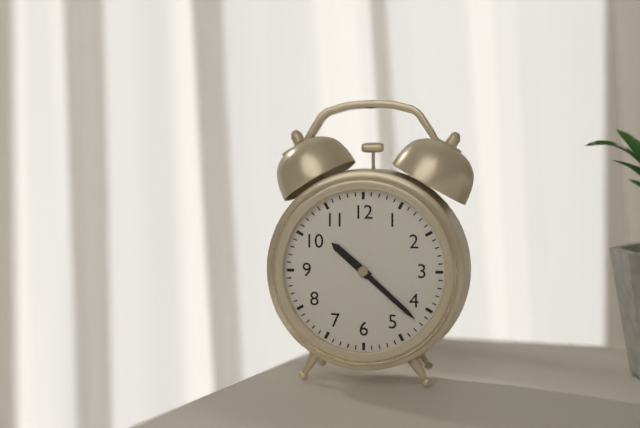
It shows 10:22
